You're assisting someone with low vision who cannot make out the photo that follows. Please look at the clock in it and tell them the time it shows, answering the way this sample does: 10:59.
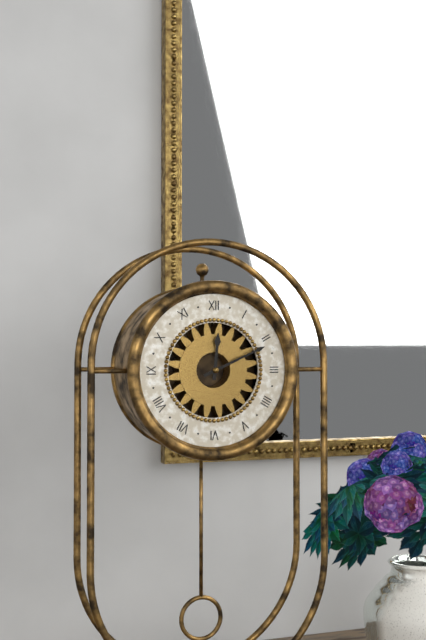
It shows 12:11
